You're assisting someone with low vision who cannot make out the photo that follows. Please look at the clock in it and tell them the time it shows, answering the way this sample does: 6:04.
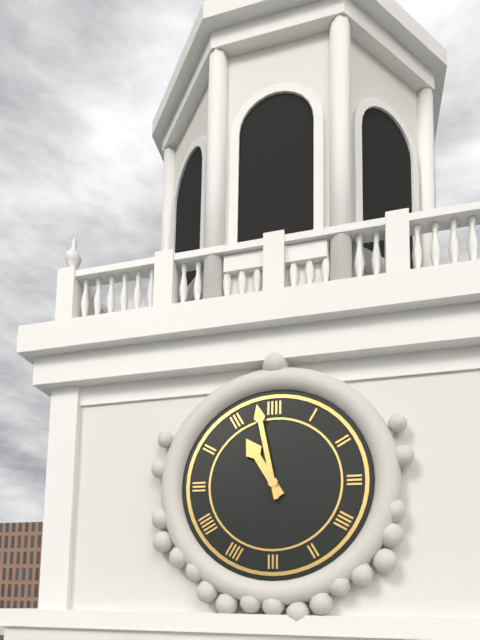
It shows 10:58
